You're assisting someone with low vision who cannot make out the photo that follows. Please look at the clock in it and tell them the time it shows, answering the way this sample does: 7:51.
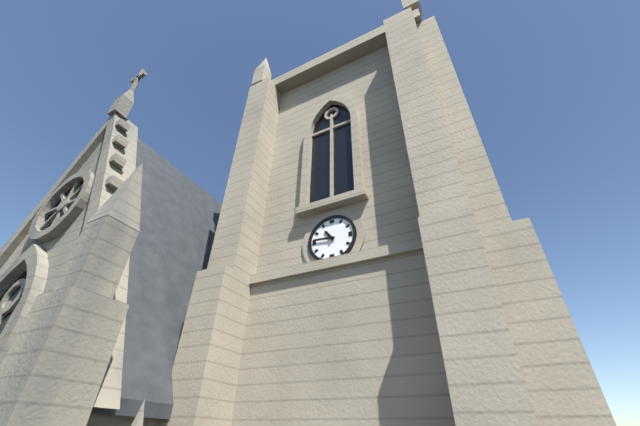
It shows 10:46
